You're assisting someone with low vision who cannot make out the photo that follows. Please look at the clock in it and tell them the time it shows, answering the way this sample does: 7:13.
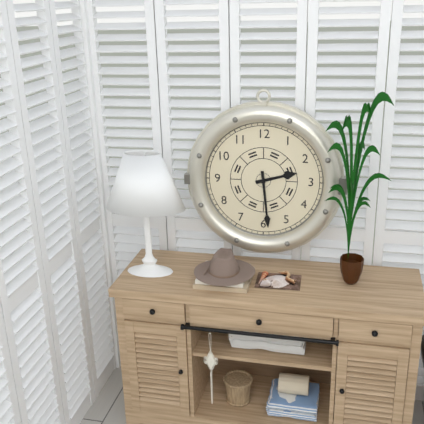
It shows 2:29
